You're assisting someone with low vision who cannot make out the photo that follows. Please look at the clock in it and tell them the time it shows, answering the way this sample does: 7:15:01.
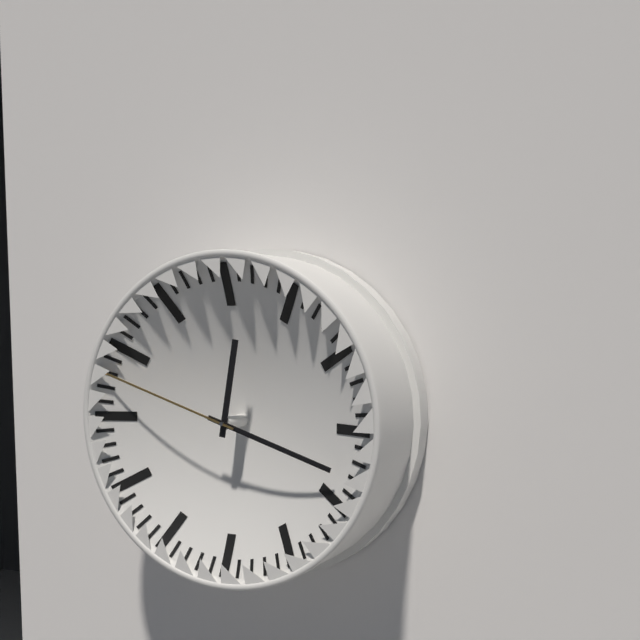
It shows 12:18:48
